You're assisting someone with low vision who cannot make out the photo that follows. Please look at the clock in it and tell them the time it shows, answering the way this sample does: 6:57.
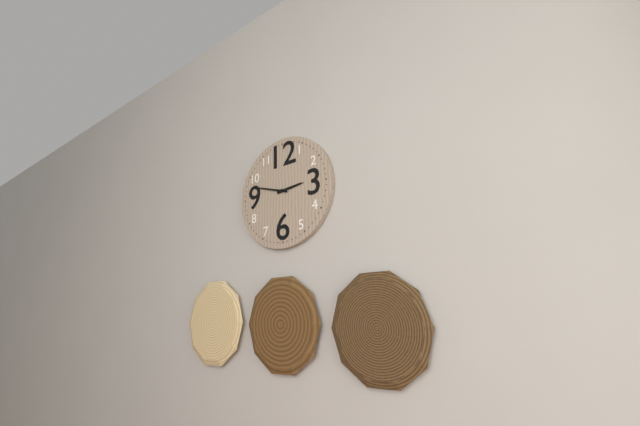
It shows 2:48
